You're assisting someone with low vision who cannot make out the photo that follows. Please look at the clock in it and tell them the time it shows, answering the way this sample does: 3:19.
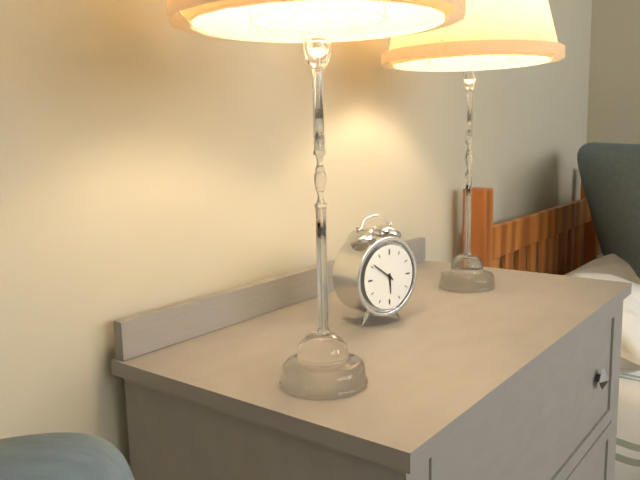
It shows 5:51
